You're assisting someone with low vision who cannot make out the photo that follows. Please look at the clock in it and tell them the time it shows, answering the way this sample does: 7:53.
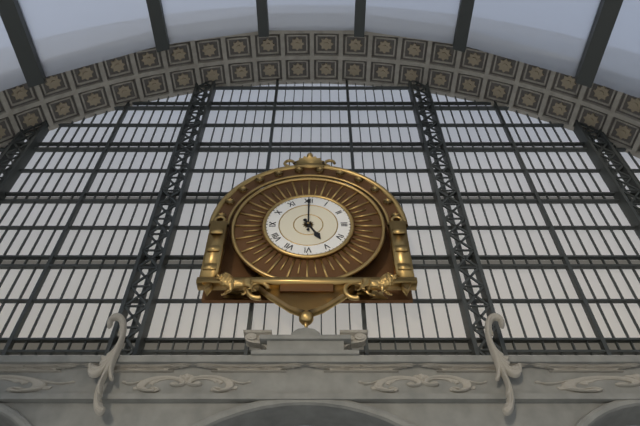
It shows 5:00
